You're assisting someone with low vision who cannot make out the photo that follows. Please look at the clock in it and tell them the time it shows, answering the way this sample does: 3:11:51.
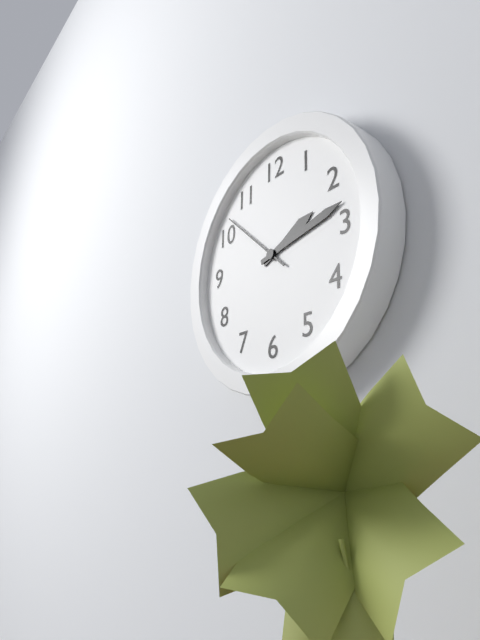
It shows 2:13:52
